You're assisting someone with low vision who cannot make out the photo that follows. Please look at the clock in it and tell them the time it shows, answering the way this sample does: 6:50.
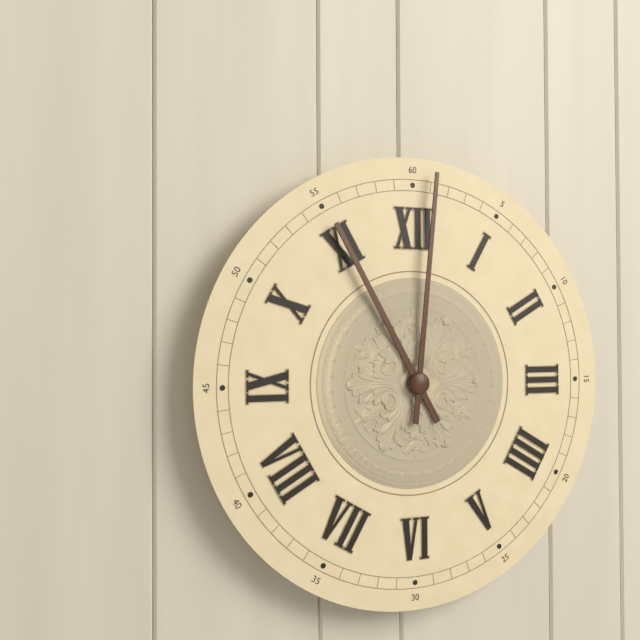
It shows 11:01
